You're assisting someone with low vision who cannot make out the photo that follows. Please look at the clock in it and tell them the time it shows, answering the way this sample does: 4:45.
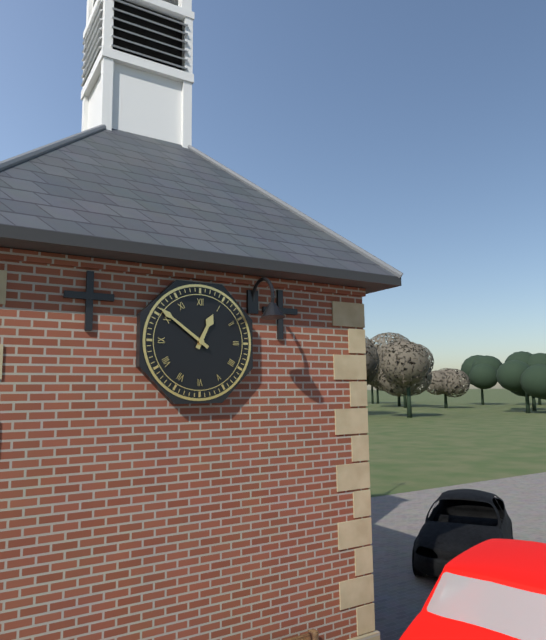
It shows 12:51
